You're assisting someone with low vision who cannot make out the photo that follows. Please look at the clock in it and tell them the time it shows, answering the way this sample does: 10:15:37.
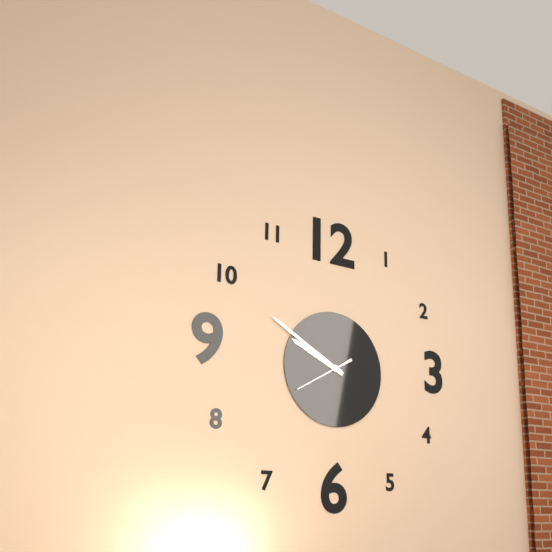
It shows 9:50:40
